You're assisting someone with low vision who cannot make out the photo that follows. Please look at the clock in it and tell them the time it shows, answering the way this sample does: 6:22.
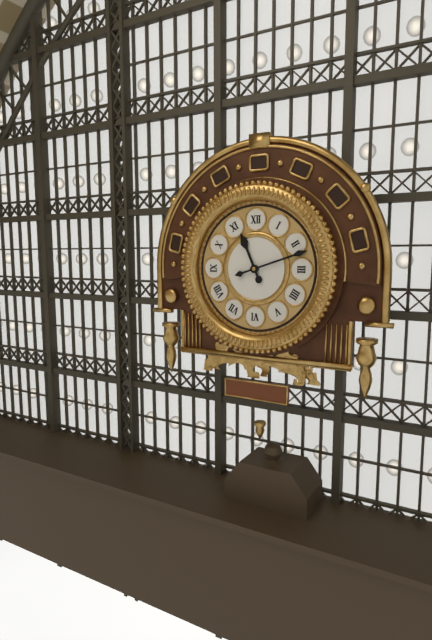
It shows 11:12
